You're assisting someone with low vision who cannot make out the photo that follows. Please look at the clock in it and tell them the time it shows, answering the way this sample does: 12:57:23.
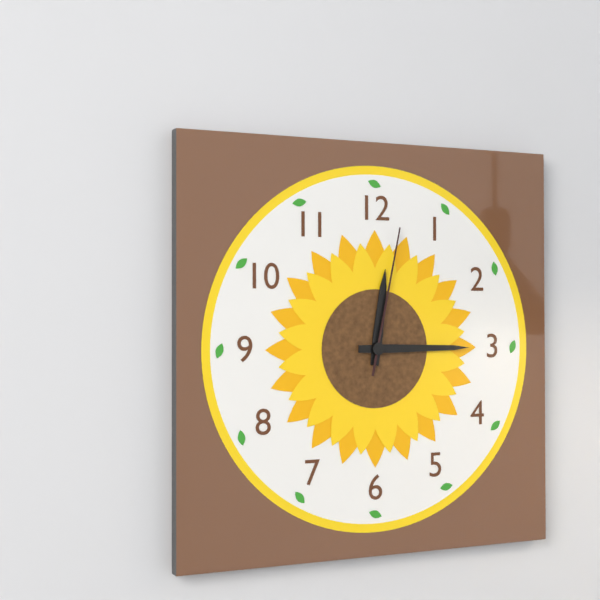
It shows 12:15:02
